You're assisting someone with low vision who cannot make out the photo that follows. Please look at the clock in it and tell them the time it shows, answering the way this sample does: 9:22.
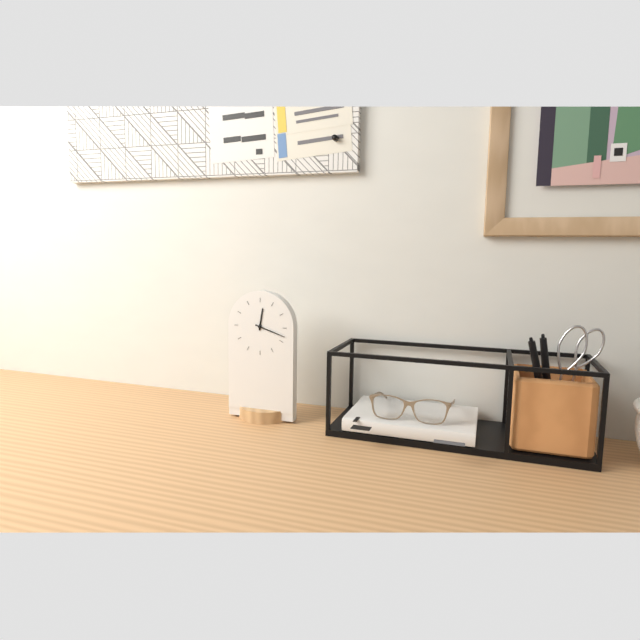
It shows 12:18
